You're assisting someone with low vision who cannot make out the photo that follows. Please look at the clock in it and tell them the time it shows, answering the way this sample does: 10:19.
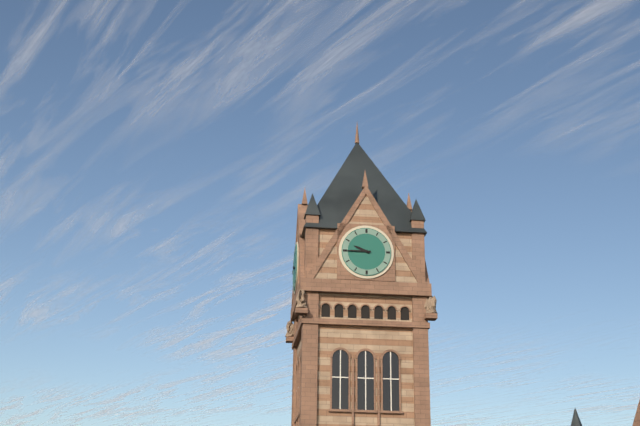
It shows 9:45
